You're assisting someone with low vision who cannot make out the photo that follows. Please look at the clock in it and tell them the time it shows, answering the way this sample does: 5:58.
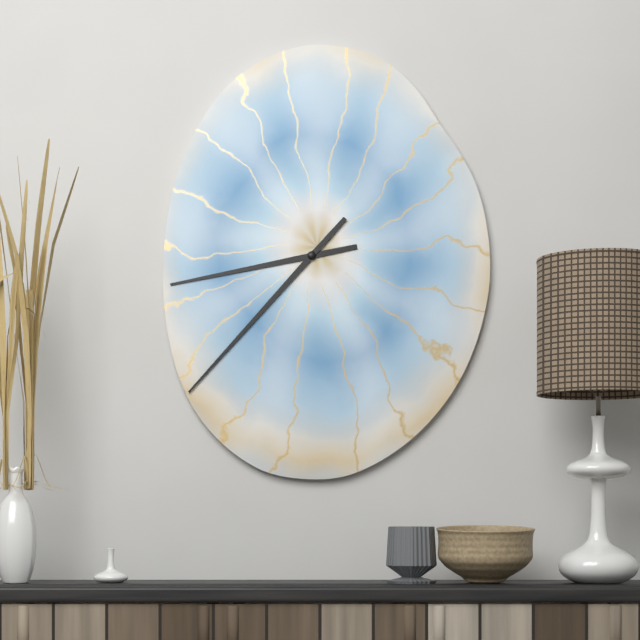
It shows 8:37
